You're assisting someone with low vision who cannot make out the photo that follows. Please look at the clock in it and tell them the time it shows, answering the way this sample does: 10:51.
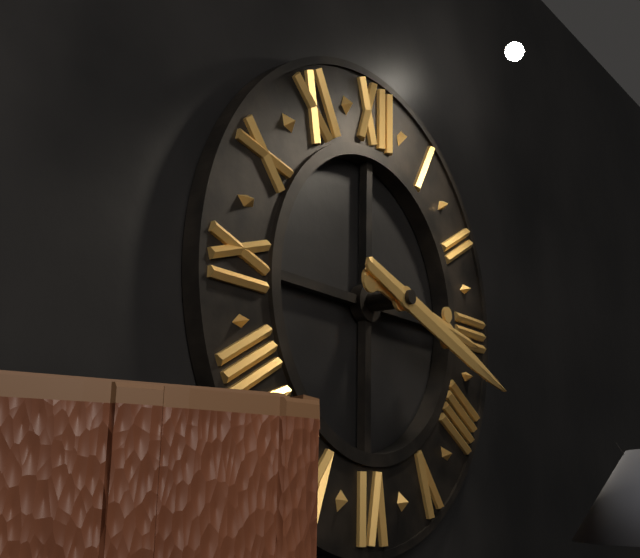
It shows 3:18
